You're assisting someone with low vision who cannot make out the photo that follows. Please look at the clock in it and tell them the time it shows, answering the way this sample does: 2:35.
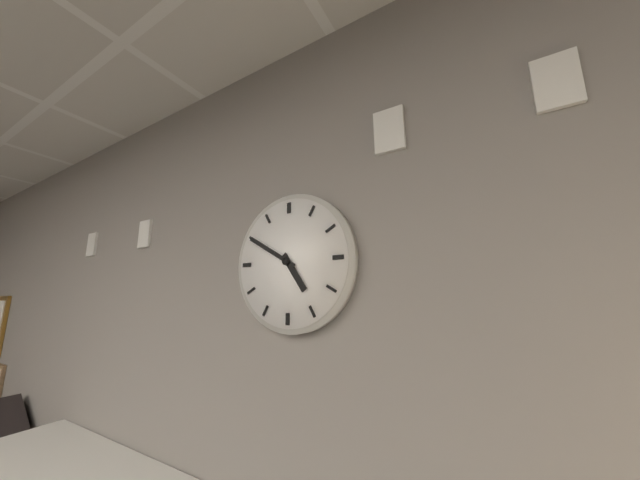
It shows 4:50
